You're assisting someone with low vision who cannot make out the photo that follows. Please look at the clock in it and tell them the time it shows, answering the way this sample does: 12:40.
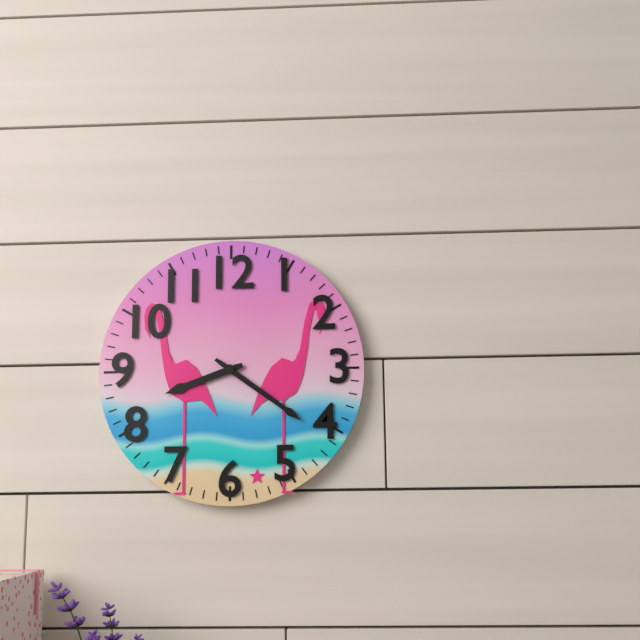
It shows 8:21
